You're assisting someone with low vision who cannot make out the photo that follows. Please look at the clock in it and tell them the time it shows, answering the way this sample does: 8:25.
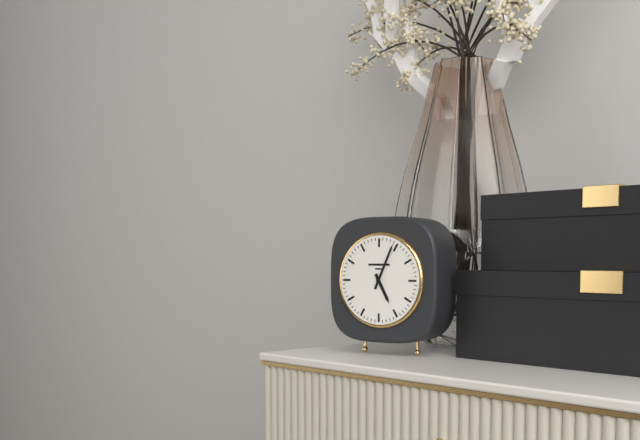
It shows 5:04
